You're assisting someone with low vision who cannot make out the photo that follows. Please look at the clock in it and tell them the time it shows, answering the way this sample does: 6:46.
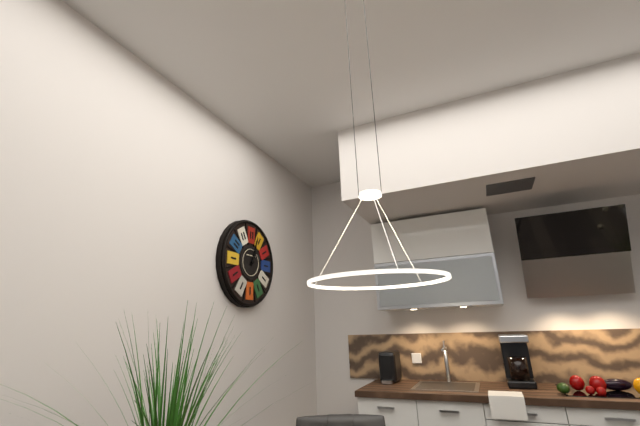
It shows 1:03
